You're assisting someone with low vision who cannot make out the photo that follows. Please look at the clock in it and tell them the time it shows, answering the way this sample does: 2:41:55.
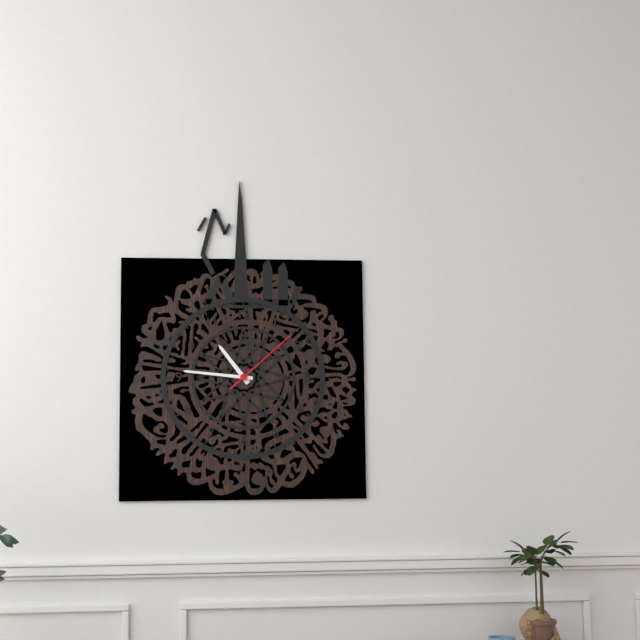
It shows 10:46:08
